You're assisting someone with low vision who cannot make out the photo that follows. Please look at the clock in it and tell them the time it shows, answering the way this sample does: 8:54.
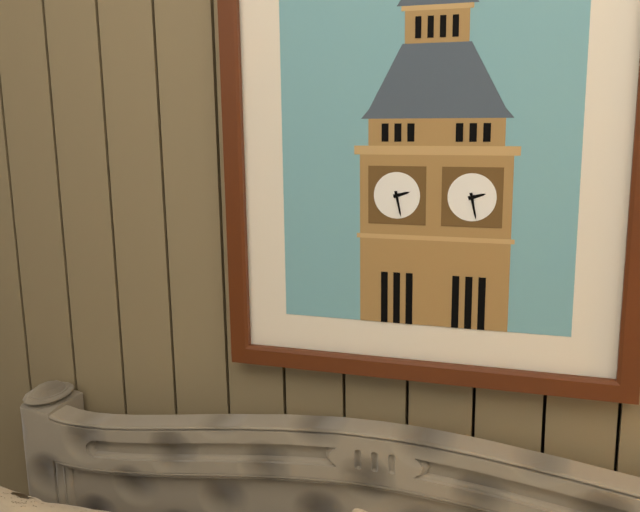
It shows 2:28
